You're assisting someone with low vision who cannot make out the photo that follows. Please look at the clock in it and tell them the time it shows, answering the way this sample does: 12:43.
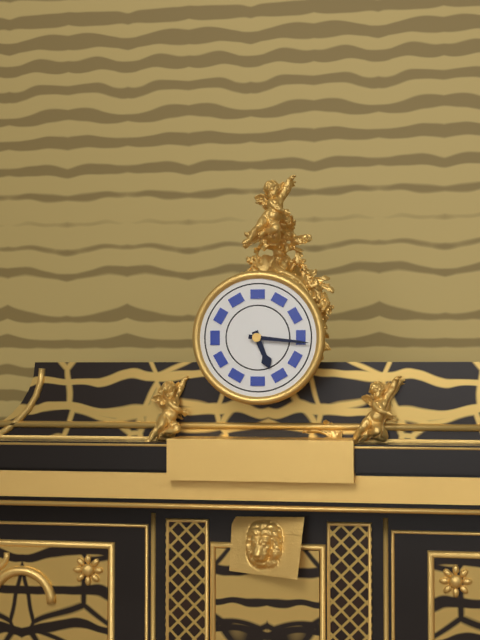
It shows 5:16
